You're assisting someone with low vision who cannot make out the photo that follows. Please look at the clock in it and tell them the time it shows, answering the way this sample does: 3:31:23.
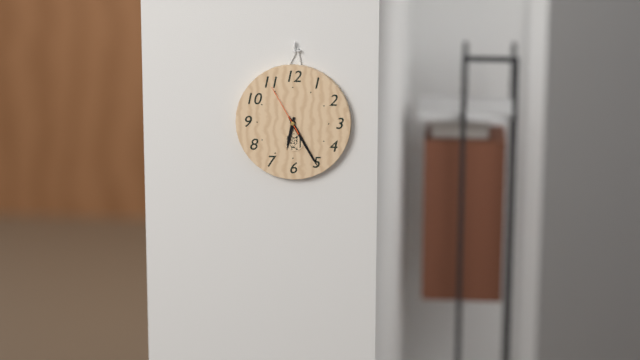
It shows 6:25:55
